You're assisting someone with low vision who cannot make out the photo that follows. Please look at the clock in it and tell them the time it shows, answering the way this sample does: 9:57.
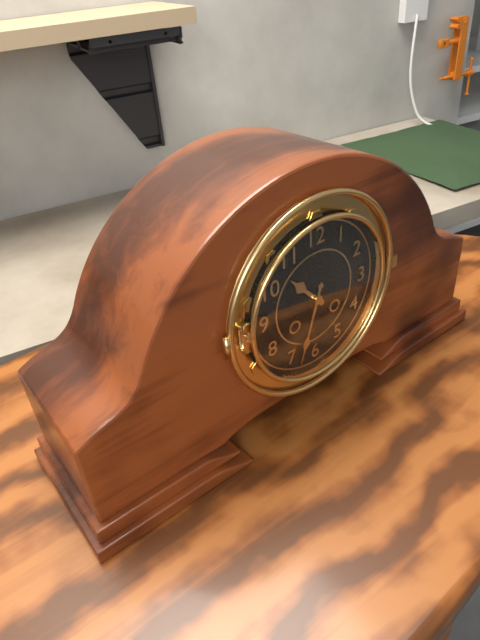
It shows 10:33
